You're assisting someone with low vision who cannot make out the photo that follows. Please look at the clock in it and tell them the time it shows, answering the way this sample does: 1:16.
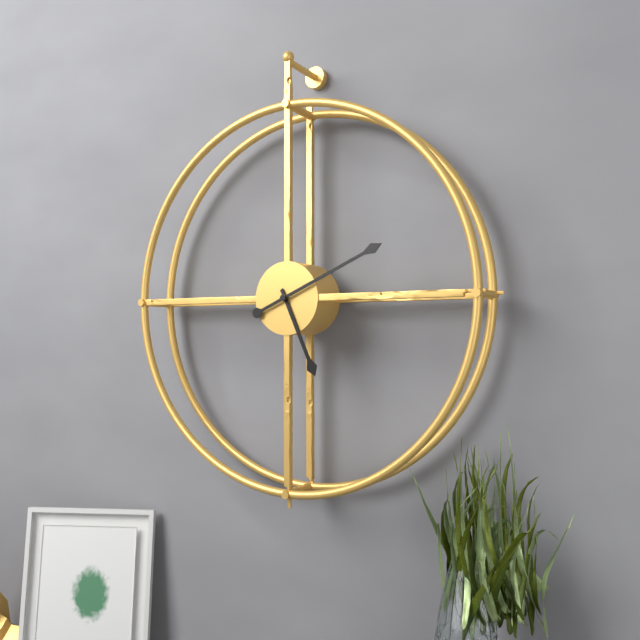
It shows 5:11
